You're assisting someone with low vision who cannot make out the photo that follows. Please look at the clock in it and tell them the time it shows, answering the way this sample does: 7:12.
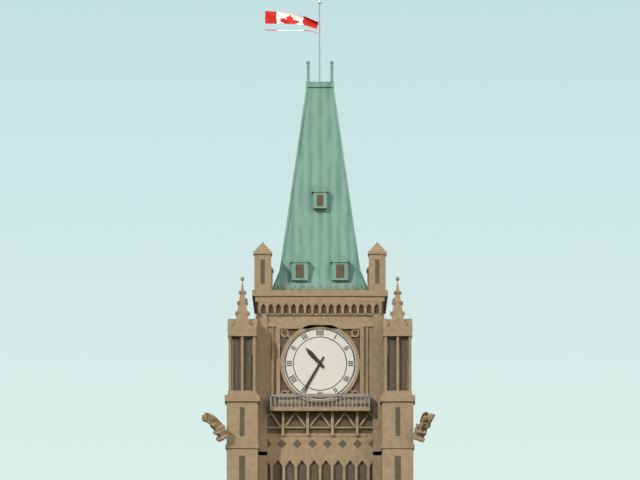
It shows 10:35
